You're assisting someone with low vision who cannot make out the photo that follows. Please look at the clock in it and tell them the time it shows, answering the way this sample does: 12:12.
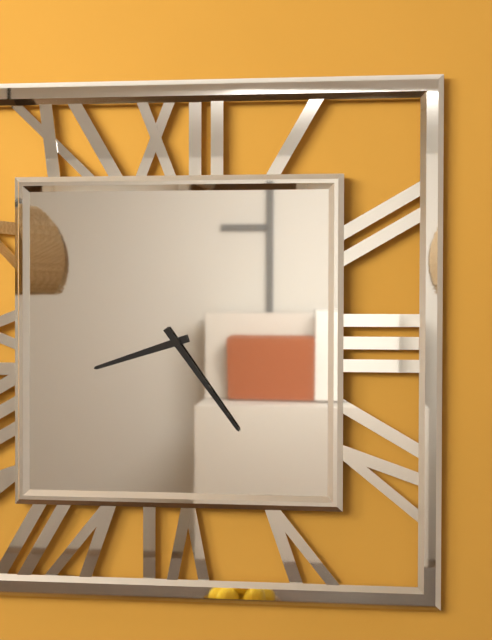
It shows 8:24
